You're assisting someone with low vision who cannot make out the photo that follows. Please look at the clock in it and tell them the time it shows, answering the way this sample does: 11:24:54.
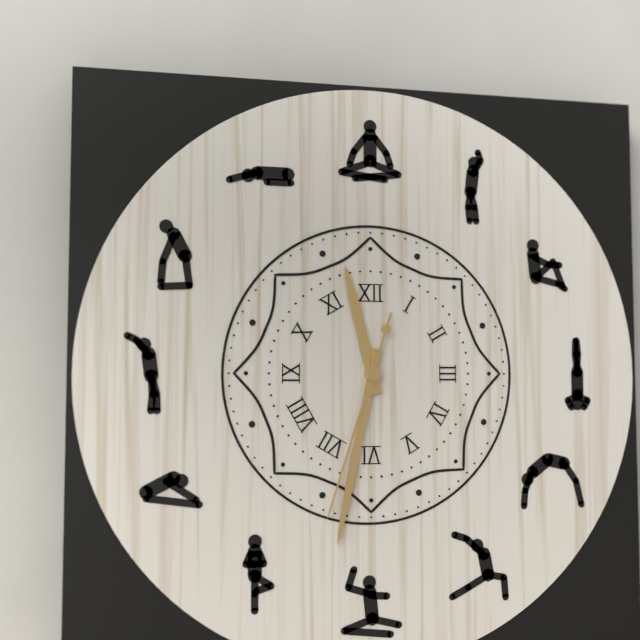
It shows 11:32:33
